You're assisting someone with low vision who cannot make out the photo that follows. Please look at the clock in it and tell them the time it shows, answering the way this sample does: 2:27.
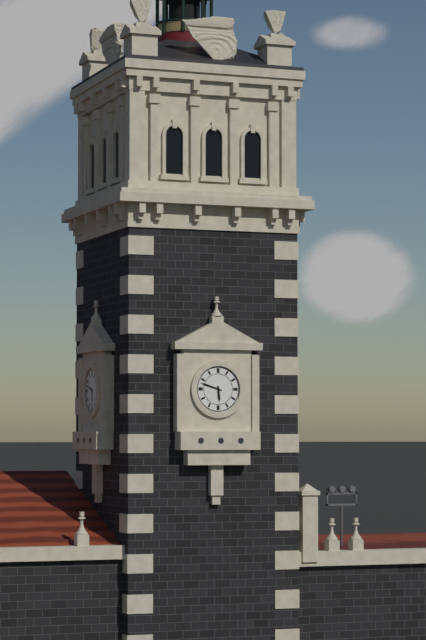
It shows 5:48
